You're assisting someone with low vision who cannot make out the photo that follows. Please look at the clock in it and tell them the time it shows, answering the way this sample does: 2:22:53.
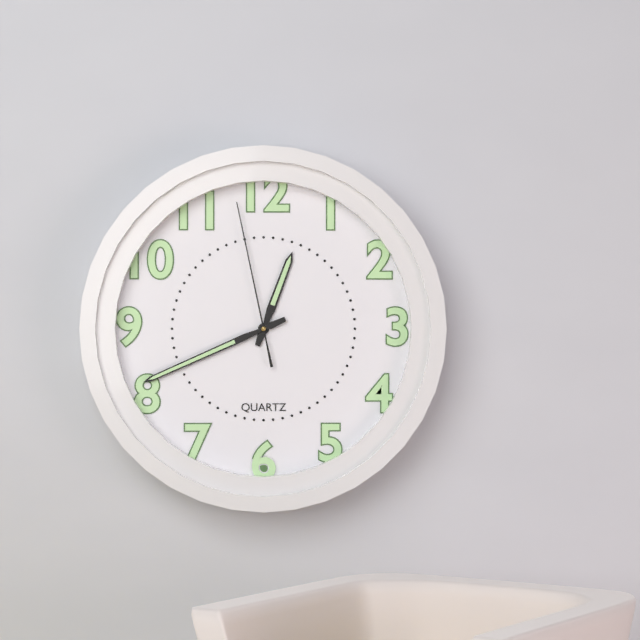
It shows 12:41:58
